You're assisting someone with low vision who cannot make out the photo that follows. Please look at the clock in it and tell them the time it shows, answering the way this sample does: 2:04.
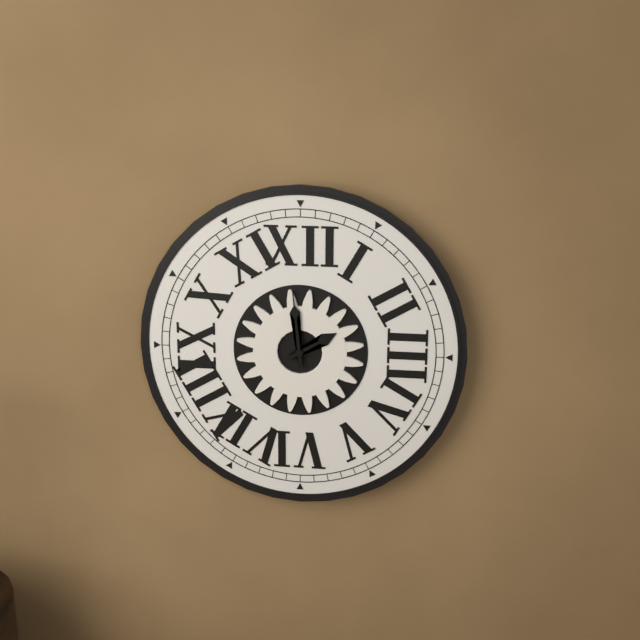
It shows 1:59
